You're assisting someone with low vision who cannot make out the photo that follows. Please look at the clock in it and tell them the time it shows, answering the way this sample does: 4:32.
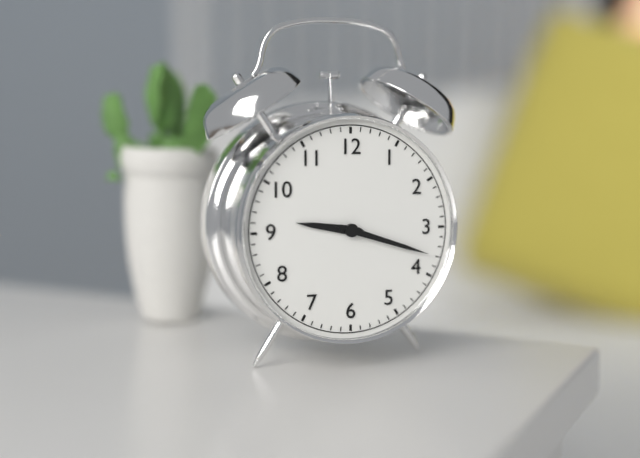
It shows 9:18
